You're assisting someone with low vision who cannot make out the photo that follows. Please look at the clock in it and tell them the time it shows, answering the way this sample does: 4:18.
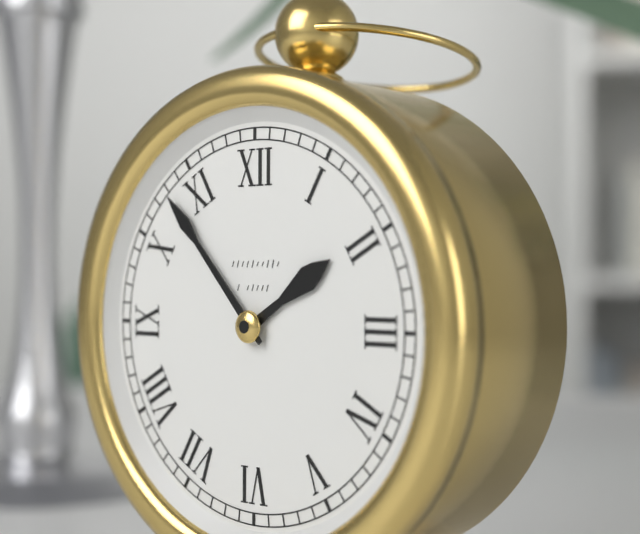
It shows 1:53
